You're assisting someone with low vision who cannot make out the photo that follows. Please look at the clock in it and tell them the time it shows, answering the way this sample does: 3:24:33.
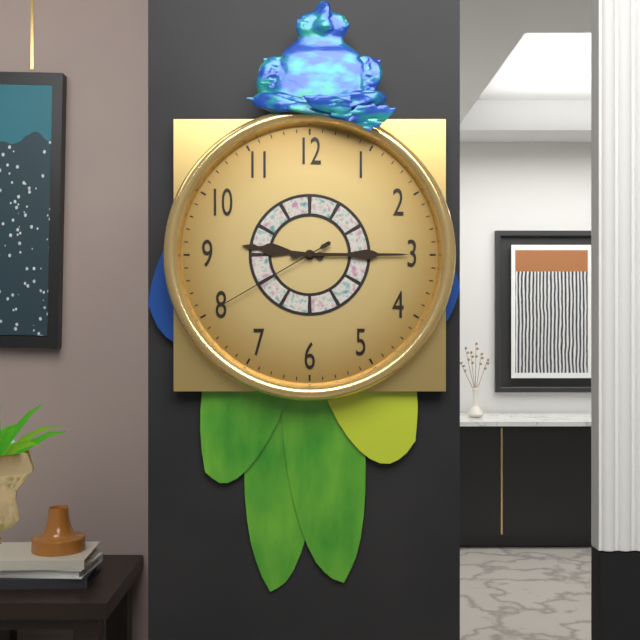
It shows 9:15:40
